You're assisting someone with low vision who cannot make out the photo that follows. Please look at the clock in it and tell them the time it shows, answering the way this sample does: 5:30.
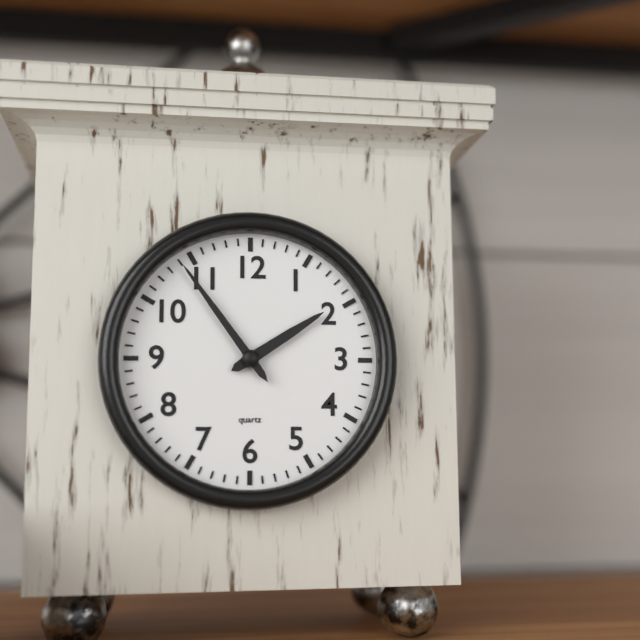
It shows 1:54
